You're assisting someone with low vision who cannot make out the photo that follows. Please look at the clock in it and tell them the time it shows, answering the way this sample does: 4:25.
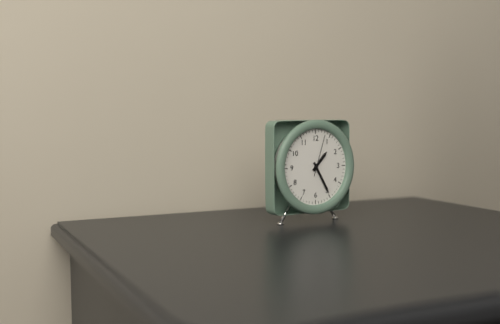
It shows 1:25
